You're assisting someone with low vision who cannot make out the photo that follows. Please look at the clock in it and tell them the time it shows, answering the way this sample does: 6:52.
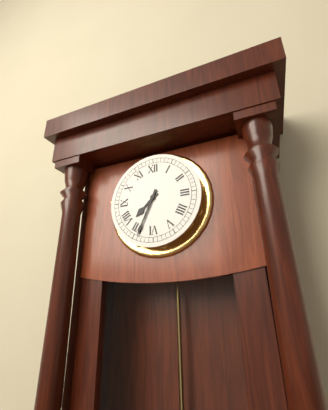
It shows 7:34
